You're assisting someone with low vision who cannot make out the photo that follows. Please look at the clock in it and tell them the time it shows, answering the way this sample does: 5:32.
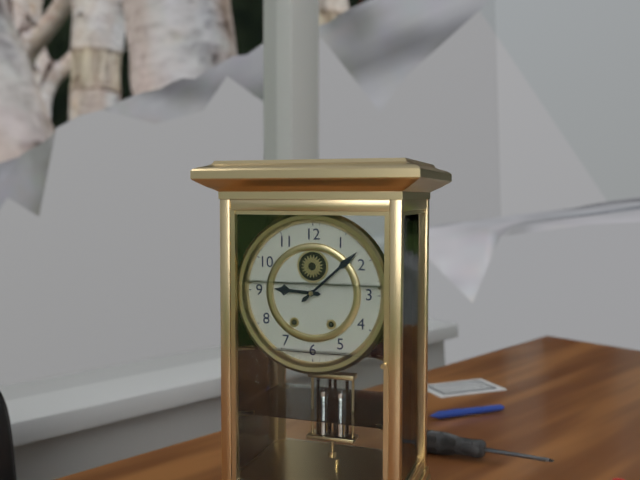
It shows 9:08
